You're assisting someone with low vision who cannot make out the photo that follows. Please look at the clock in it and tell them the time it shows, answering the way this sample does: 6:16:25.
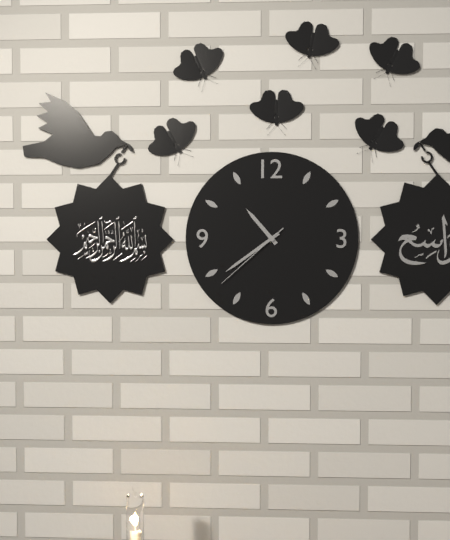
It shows 10:39:38
